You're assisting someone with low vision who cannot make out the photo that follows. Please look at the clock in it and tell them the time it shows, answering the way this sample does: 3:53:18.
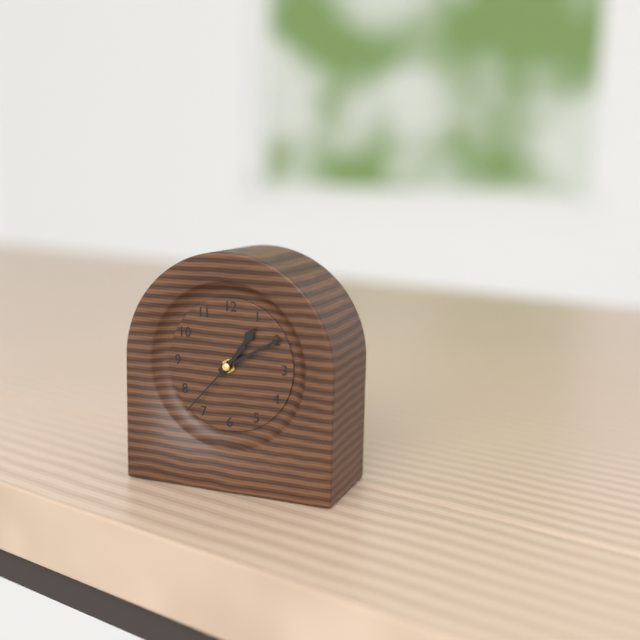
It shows 1:10:37
